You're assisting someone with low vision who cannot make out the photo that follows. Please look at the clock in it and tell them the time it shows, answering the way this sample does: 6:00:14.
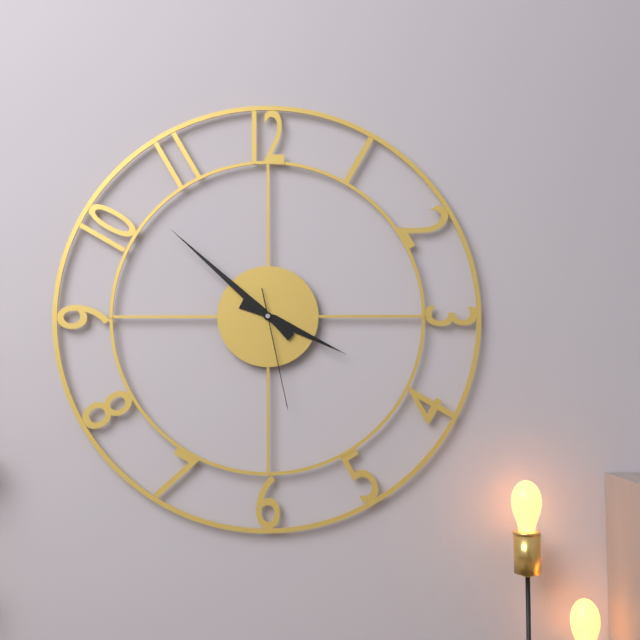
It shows 3:52:28
